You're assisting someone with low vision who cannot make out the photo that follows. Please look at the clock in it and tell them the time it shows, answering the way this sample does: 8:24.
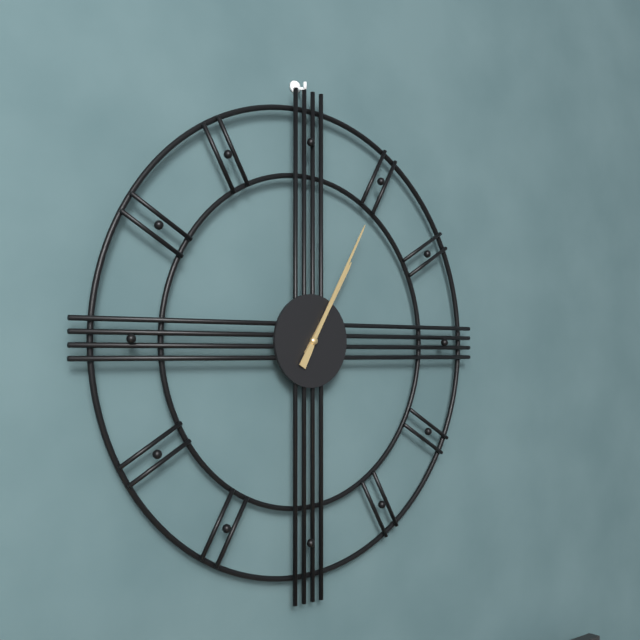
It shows 1:05
